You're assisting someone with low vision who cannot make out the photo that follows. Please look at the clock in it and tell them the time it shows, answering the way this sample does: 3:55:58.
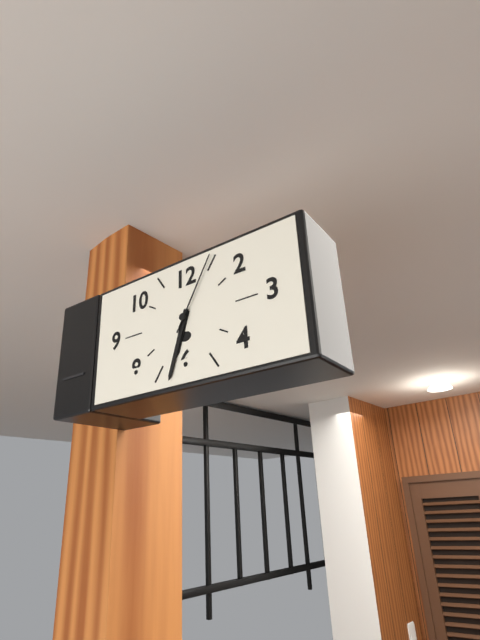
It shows 6:33:05
